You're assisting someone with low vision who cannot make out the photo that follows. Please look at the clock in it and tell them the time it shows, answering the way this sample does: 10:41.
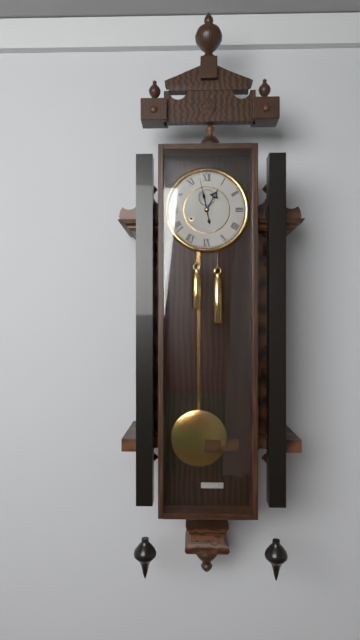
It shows 12:58
